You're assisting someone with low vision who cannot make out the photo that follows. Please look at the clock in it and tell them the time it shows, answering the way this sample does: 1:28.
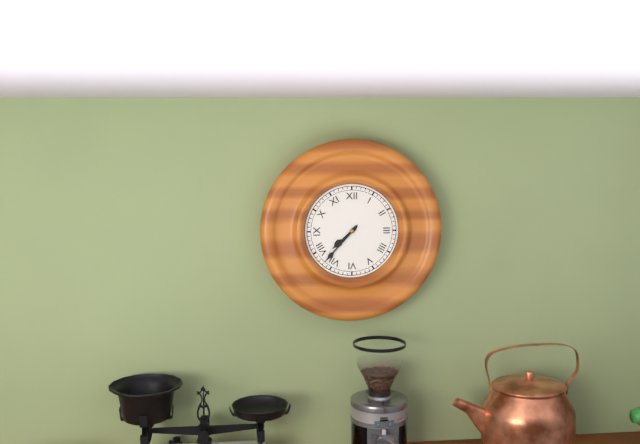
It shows 7:37
